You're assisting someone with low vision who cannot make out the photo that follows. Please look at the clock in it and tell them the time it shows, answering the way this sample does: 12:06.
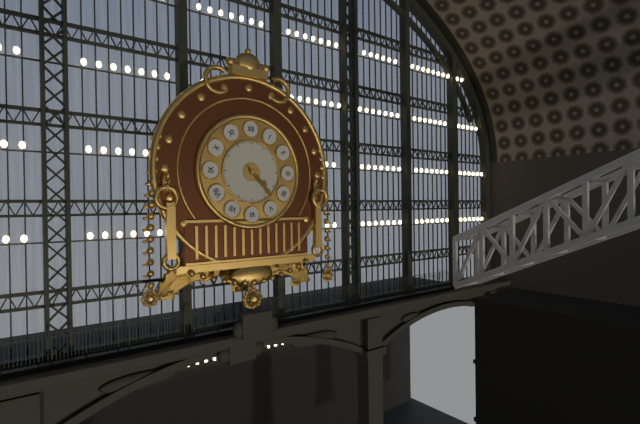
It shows 4:23
